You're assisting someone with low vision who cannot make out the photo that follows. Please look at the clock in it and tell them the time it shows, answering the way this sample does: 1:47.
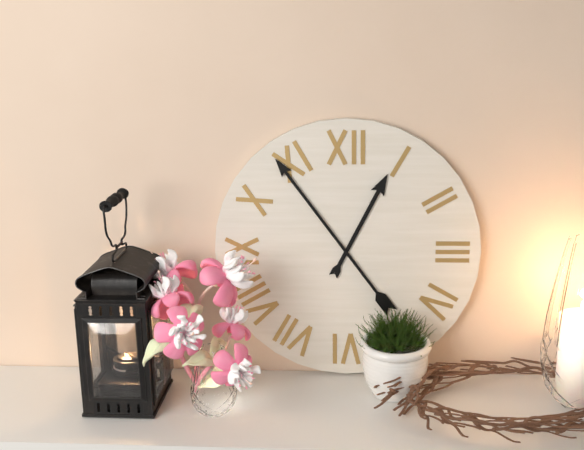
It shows 12:54
